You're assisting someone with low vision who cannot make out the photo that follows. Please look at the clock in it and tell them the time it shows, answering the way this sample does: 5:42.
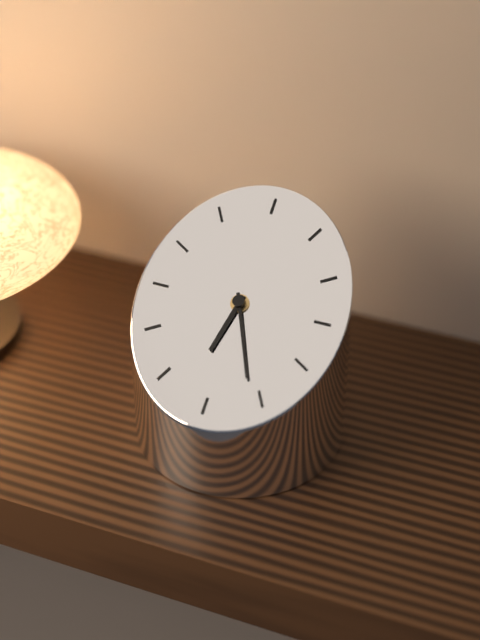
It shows 6:26
